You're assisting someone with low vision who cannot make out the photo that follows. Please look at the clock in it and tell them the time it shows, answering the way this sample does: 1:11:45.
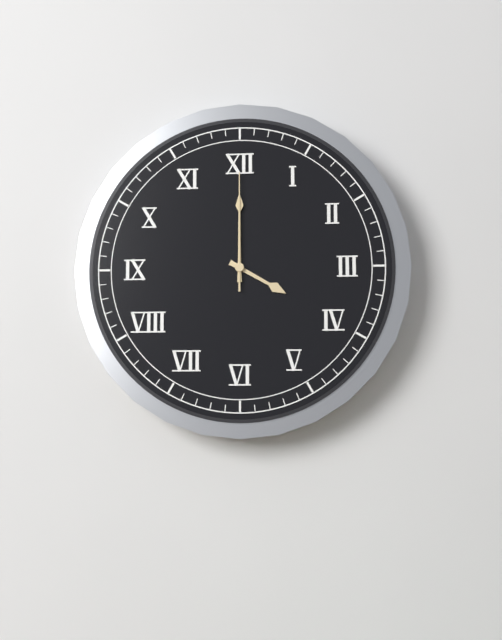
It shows 4:00:00
